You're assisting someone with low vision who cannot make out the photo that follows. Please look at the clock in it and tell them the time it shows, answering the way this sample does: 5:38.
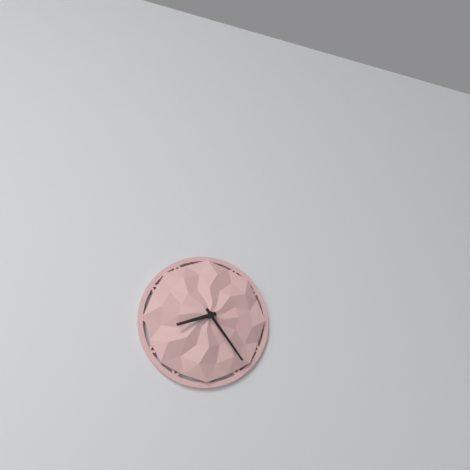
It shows 8:24
